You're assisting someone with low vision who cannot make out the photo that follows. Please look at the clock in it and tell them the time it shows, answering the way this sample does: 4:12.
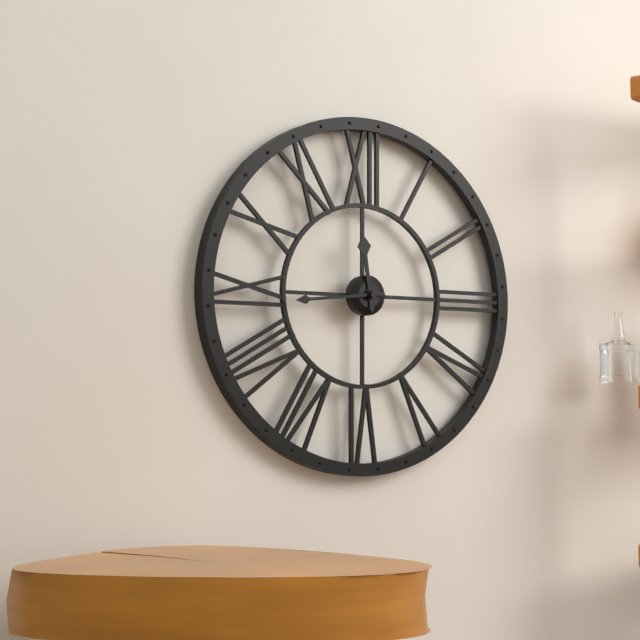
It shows 11:44
